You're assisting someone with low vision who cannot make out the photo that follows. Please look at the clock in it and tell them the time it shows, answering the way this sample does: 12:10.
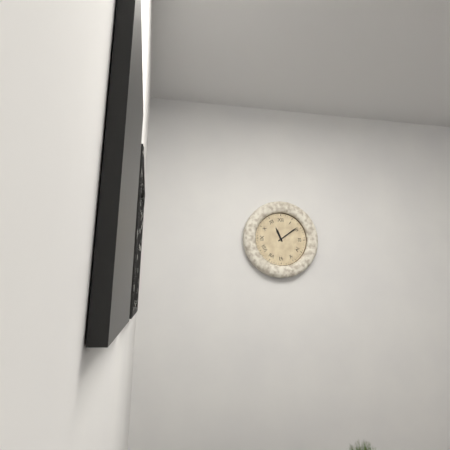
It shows 11:09
